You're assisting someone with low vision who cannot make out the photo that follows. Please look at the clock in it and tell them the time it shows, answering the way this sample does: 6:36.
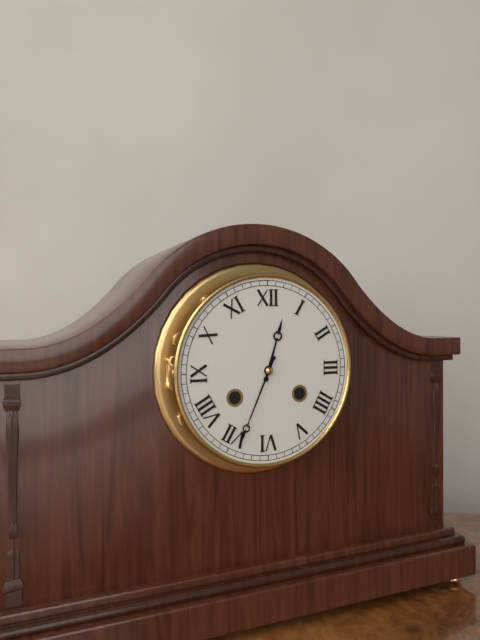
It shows 12:34
